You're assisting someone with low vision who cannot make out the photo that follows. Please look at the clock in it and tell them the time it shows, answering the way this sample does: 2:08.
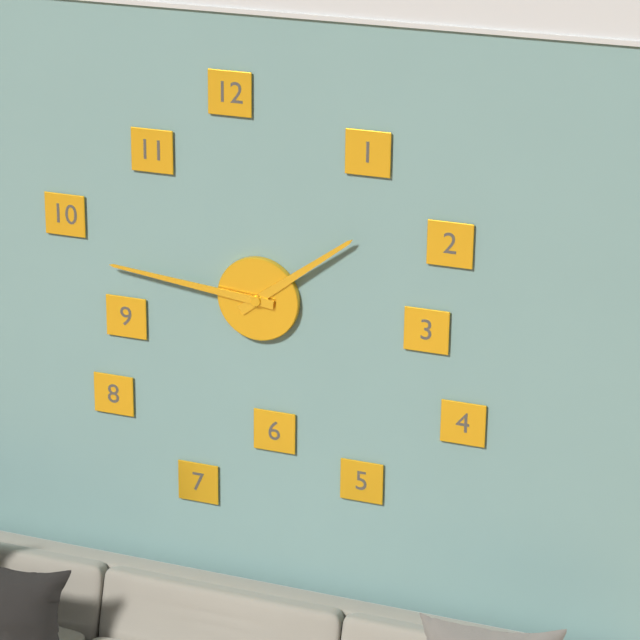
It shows 1:46
